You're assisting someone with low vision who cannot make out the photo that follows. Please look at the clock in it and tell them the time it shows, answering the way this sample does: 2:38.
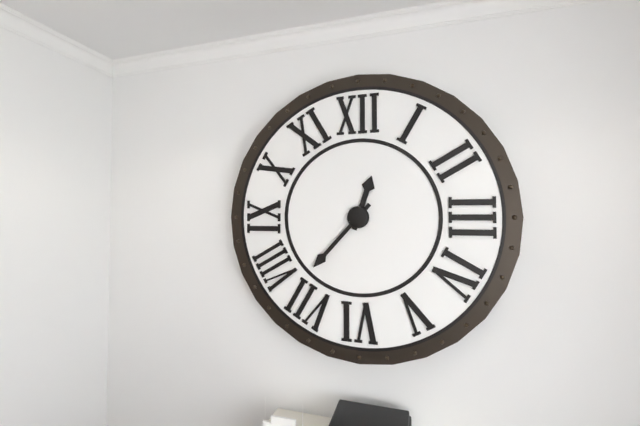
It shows 12:37
